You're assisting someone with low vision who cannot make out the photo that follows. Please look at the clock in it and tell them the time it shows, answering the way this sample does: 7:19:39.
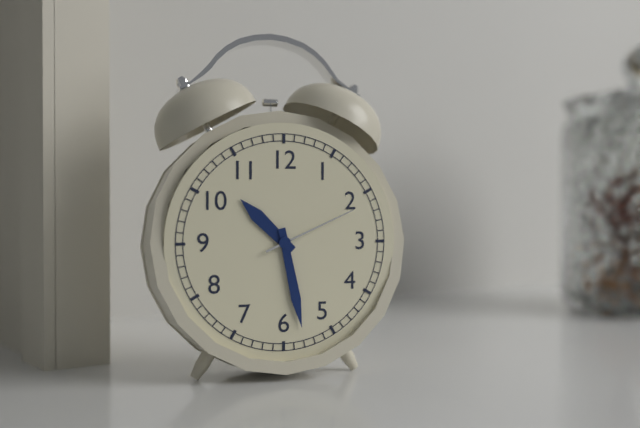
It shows 10:28:11
